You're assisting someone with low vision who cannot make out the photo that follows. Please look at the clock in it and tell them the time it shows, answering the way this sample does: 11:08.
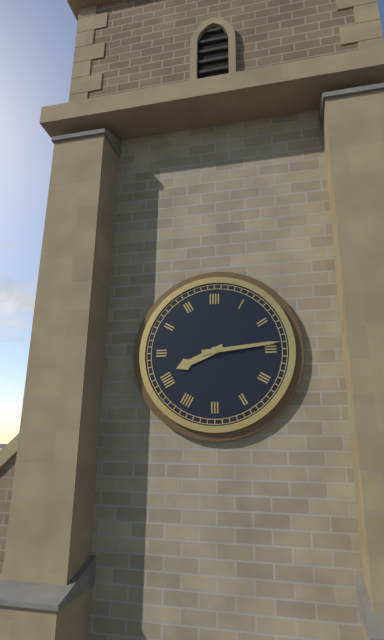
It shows 8:14
